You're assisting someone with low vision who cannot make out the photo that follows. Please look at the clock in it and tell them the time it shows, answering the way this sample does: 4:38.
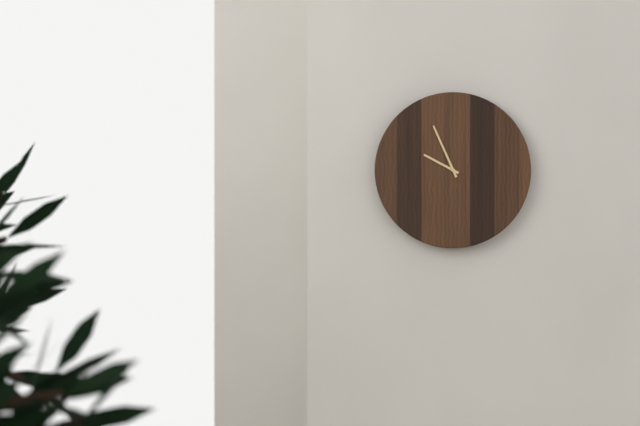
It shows 9:56
